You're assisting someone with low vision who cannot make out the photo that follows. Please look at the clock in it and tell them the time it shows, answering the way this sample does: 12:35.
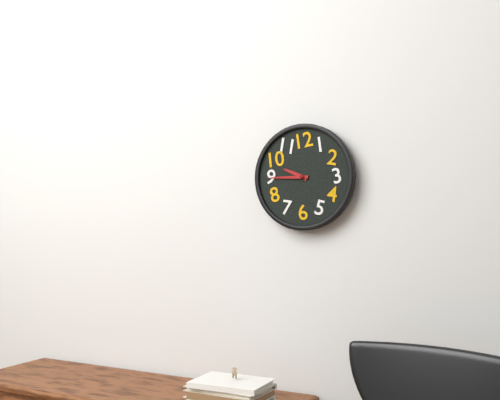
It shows 9:45
